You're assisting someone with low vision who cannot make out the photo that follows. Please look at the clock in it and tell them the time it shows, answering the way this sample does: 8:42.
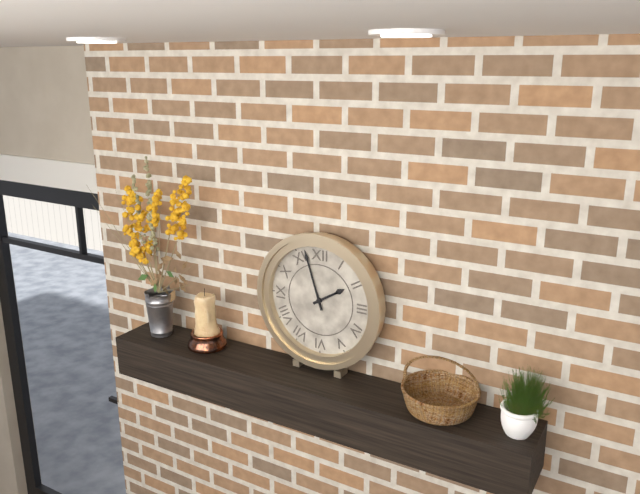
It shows 1:57
